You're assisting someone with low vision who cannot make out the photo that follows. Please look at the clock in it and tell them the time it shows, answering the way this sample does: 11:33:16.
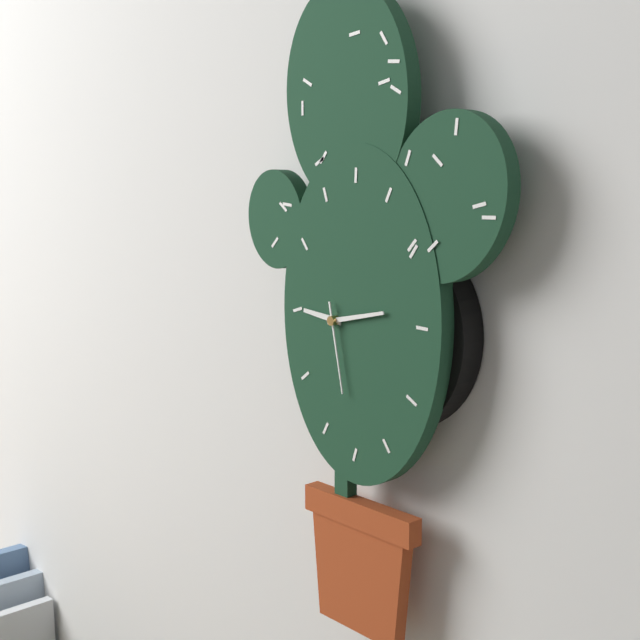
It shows 9:13:28
